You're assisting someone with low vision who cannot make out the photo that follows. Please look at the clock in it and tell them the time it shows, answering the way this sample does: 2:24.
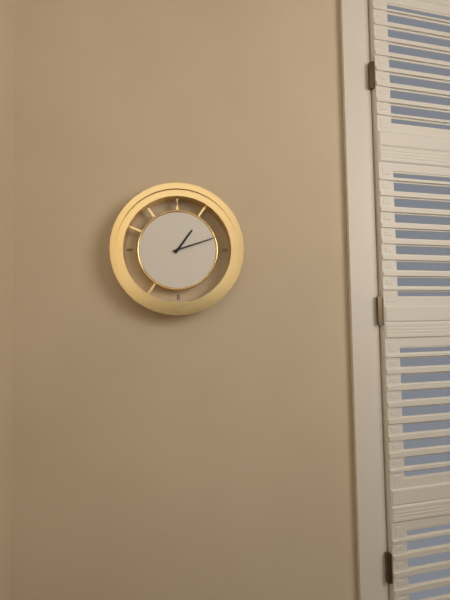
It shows 1:12
